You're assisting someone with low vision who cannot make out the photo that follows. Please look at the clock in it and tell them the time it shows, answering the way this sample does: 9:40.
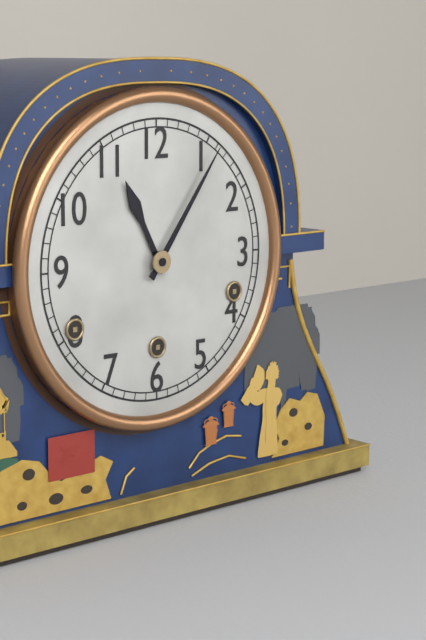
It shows 11:06
